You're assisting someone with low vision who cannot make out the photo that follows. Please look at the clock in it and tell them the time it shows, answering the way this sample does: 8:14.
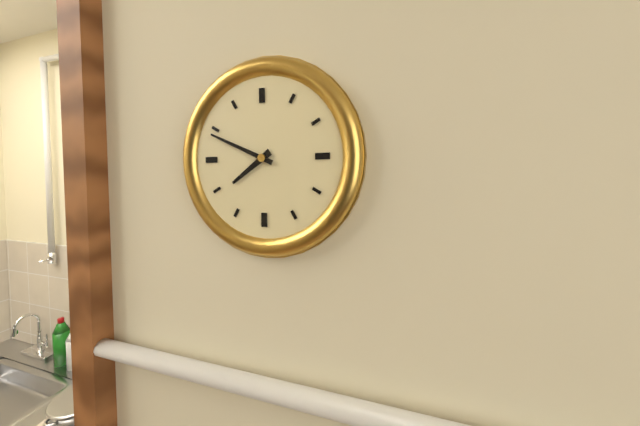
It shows 7:49
